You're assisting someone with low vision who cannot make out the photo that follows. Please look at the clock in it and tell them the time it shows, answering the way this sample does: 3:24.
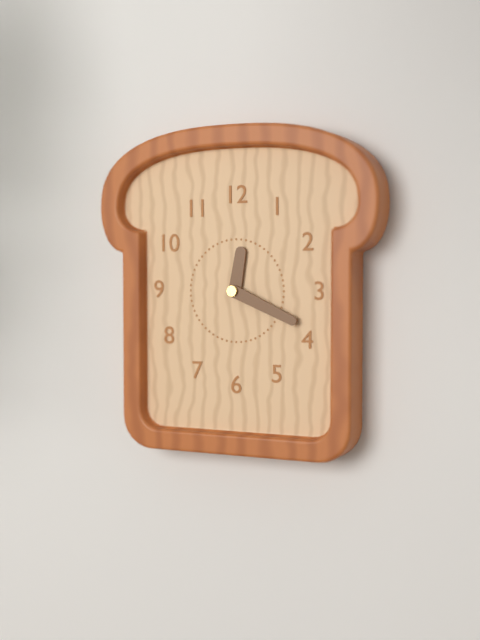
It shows 12:19
